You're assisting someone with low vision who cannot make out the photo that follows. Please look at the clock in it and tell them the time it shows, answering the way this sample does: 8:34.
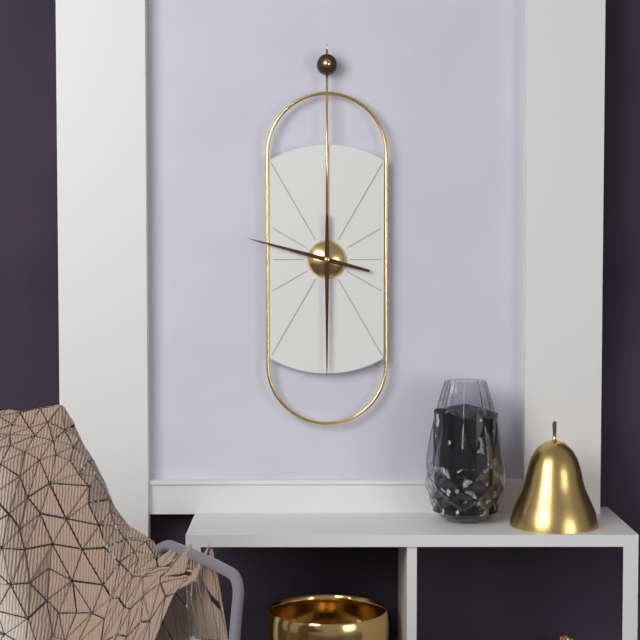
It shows 9:30
